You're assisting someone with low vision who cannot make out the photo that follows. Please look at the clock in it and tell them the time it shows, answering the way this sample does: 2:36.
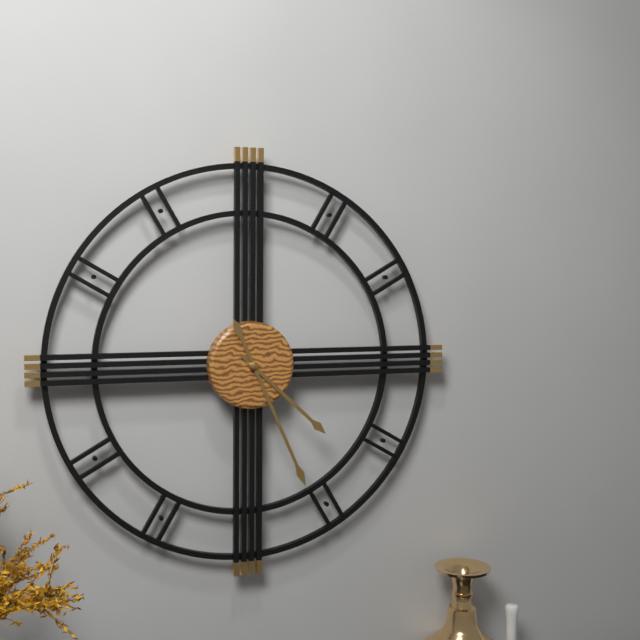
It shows 4:26
